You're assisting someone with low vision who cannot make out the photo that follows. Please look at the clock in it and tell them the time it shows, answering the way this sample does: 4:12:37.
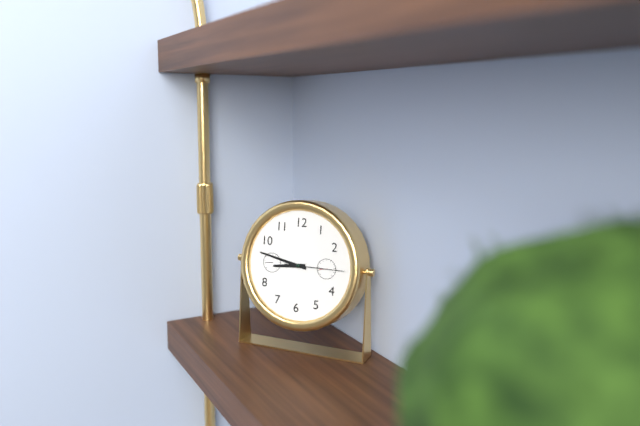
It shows 8:47:15
